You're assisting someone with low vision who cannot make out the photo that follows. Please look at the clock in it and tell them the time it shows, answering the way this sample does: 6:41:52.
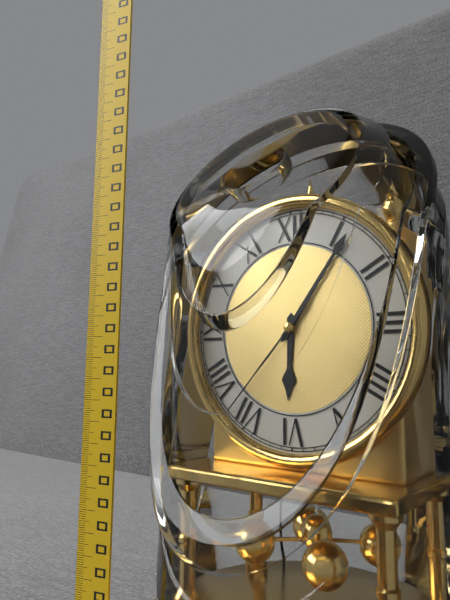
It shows 6:06:37
